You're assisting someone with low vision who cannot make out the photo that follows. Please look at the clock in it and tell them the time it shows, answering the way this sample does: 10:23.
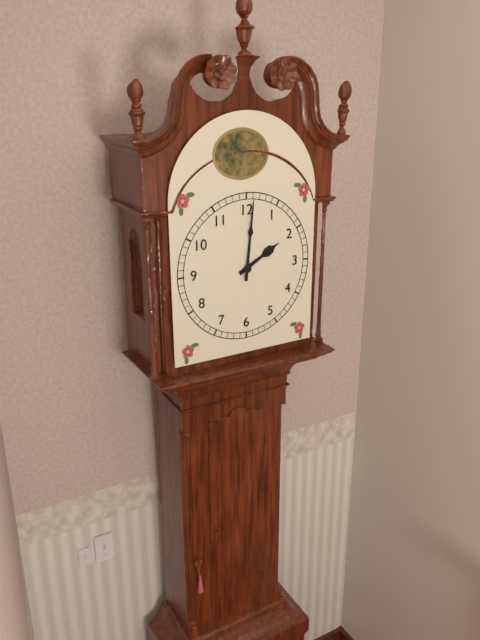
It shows 2:01
